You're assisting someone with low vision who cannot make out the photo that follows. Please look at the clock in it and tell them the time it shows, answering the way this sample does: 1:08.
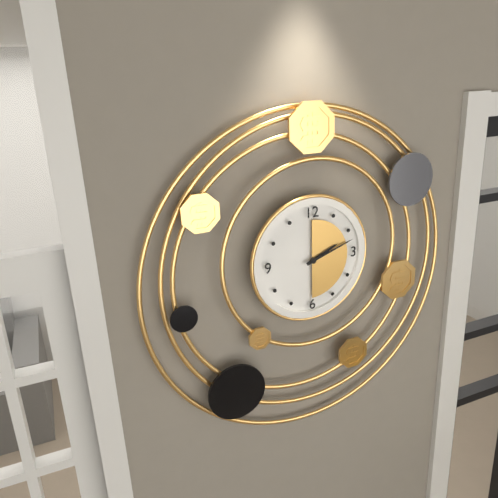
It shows 2:12
